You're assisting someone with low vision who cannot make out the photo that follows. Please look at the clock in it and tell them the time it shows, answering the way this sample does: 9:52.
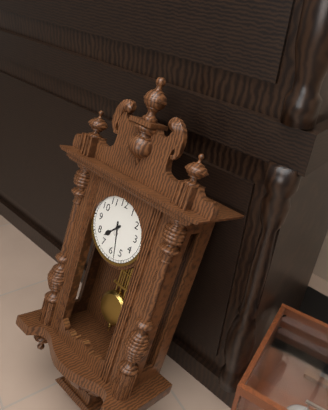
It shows 7:28
